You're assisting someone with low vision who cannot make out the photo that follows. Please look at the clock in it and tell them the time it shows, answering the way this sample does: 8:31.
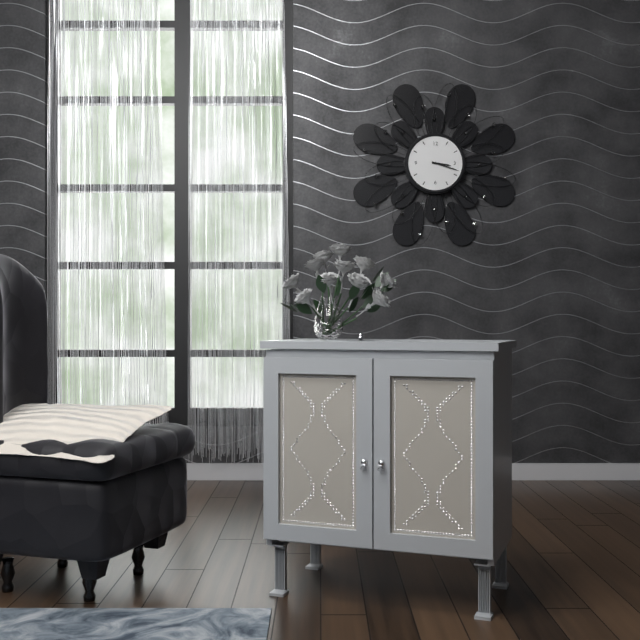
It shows 3:18
